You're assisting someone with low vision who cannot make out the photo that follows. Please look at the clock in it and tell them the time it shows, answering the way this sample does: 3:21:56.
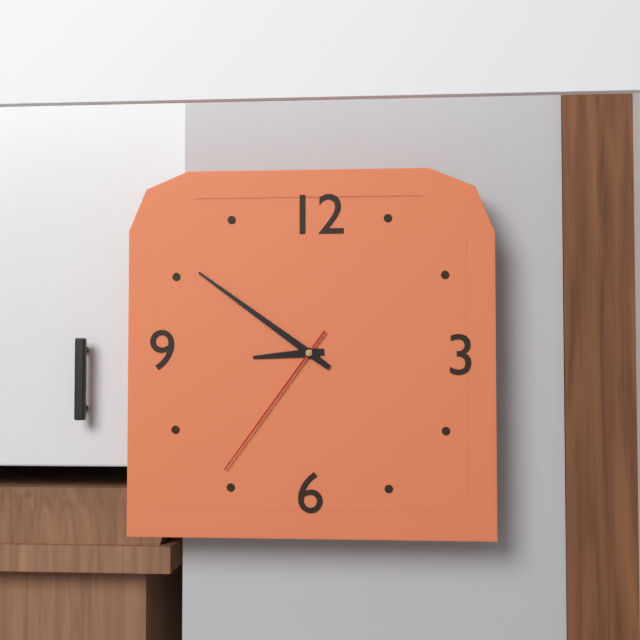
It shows 8:51:36
